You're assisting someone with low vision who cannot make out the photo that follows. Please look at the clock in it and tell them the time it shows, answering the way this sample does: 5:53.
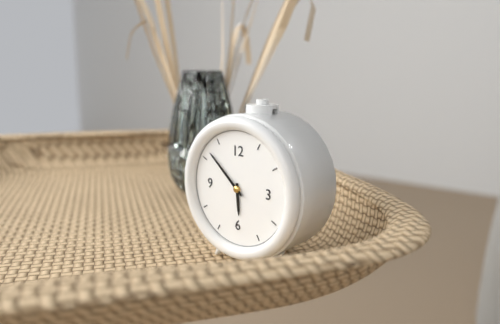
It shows 5:52
